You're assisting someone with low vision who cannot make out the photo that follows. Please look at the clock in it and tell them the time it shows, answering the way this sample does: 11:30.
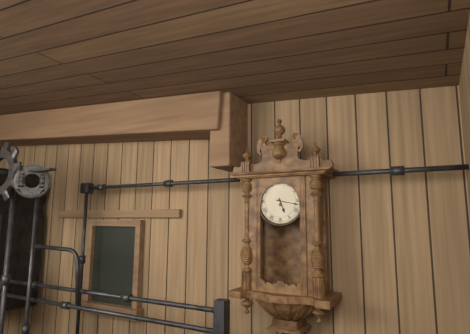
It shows 5:17
